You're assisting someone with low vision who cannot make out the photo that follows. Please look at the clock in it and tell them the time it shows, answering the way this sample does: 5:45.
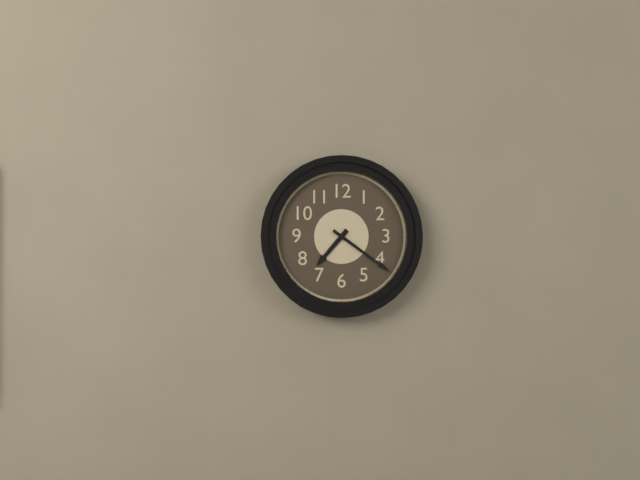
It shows 7:21
